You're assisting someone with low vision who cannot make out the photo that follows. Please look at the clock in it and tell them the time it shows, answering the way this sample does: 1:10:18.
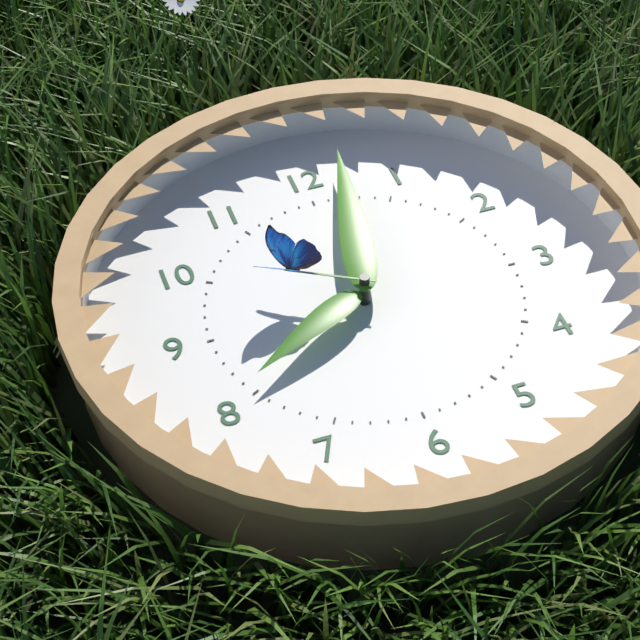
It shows 8:02:50
